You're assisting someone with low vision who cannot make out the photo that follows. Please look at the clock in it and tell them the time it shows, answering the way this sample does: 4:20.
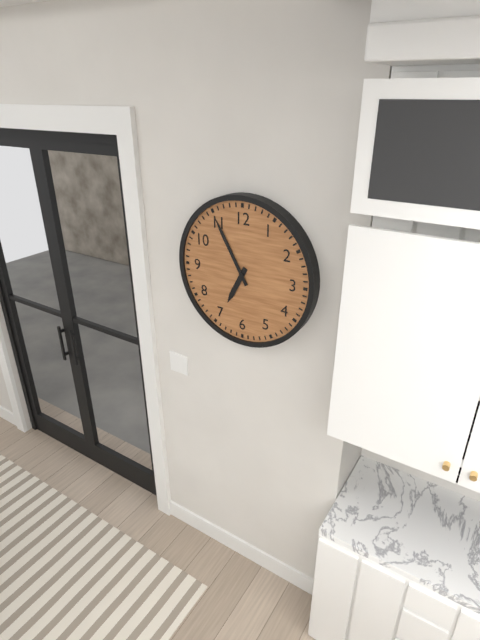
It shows 6:55
